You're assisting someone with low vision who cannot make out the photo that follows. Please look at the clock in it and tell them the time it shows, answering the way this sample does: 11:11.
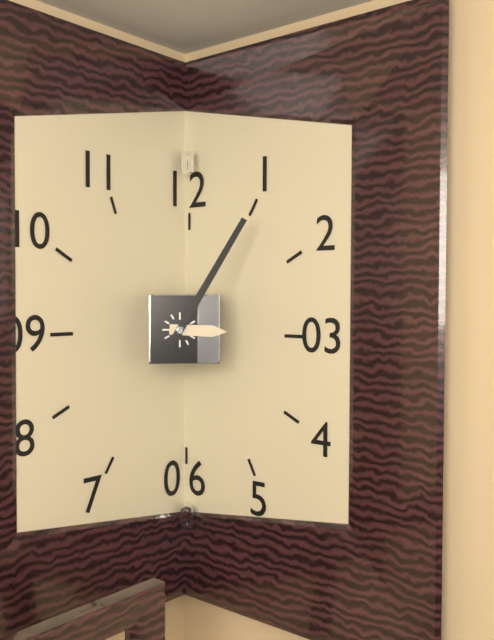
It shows 3:05
